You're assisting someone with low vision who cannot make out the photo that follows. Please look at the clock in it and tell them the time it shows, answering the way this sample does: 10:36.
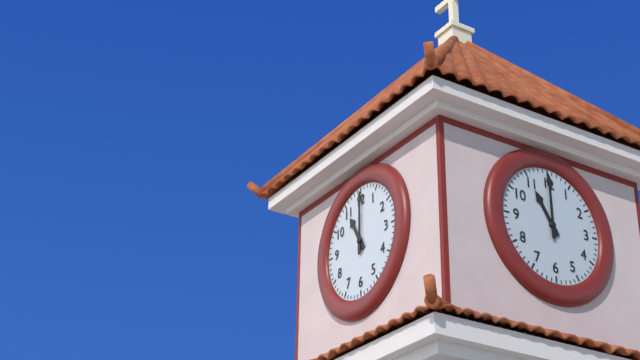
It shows 11:00
